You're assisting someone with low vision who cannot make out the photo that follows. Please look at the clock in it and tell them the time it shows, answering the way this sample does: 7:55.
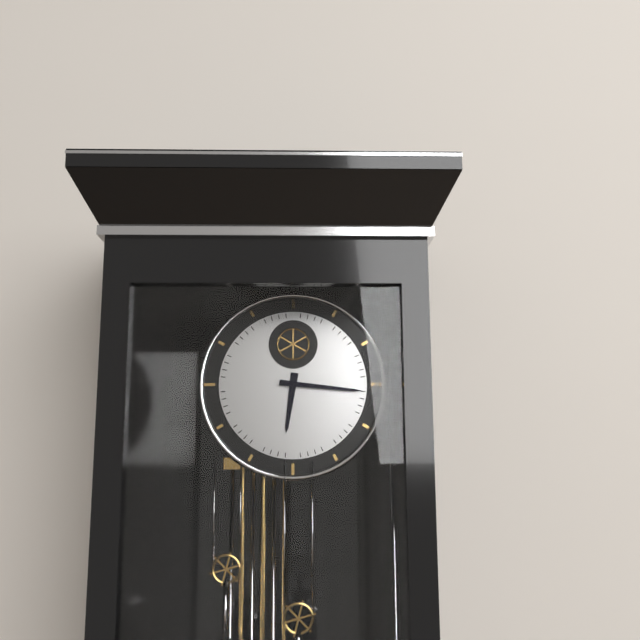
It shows 6:16
